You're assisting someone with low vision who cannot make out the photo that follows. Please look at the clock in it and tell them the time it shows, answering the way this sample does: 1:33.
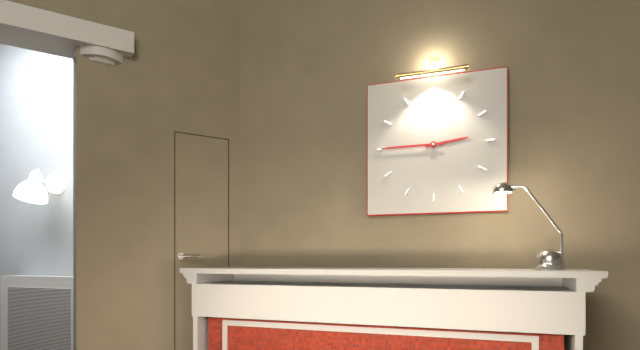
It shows 2:45
